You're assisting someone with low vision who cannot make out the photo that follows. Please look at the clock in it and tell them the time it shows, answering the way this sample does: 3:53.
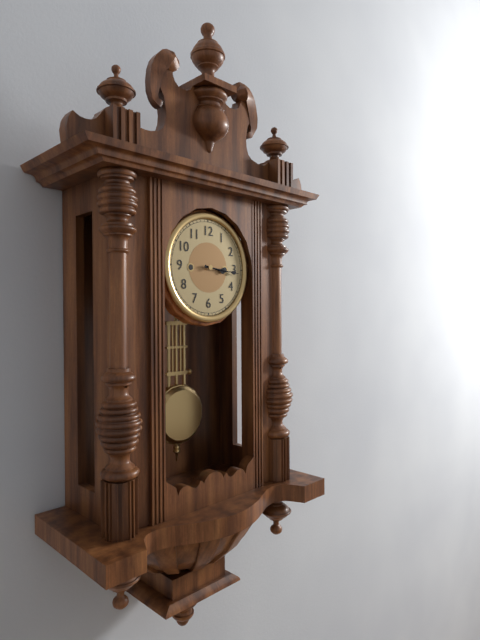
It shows 3:16
